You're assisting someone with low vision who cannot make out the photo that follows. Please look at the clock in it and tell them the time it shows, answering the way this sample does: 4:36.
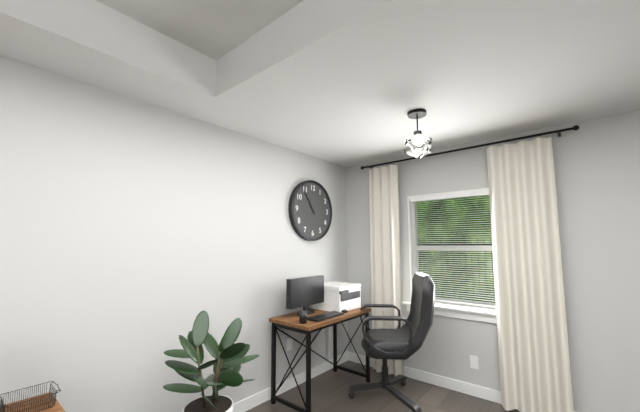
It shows 10:54
